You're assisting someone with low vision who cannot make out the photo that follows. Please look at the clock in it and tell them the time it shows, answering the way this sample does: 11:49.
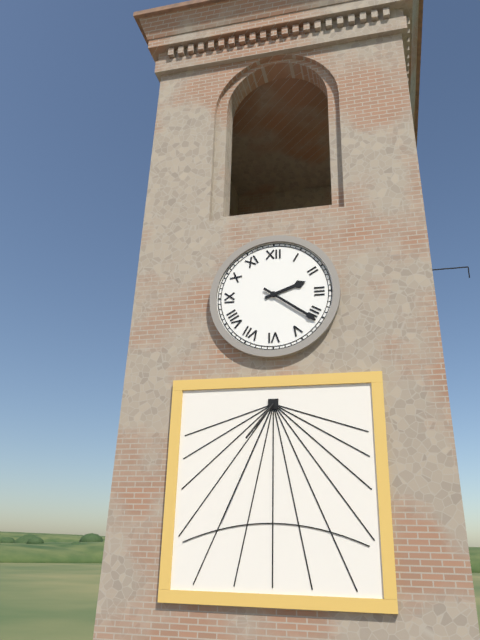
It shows 2:21
